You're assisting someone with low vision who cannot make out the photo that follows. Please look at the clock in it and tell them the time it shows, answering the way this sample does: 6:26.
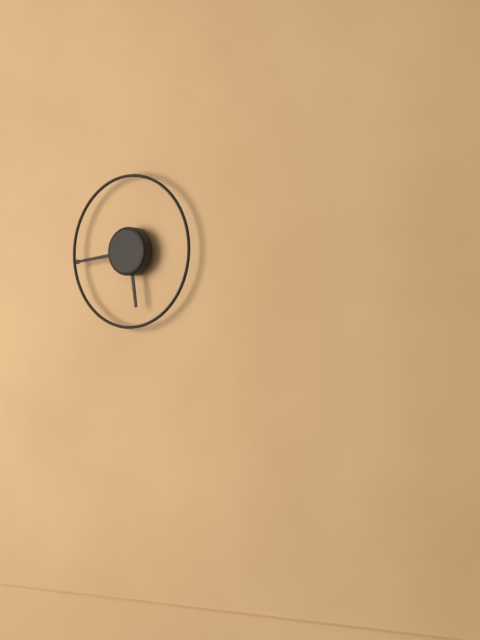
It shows 5:44
